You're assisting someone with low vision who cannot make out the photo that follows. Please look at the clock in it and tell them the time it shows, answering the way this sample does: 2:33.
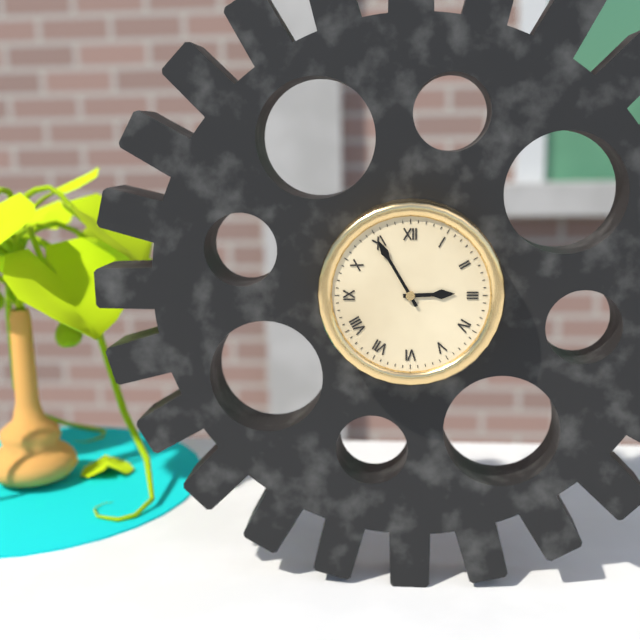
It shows 2:55
